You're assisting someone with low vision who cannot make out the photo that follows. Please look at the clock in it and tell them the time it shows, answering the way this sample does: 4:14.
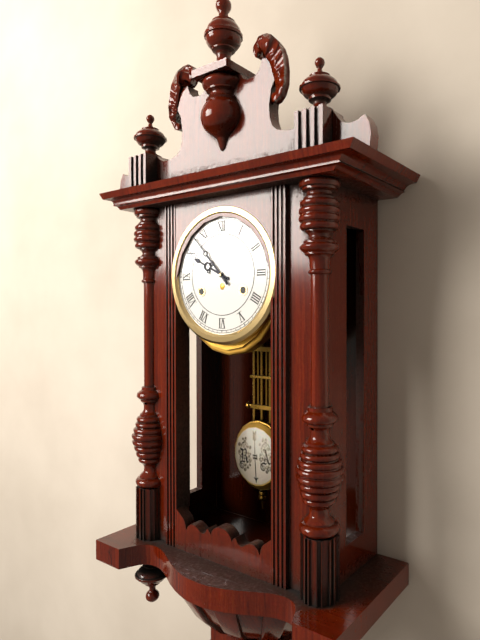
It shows 9:53
